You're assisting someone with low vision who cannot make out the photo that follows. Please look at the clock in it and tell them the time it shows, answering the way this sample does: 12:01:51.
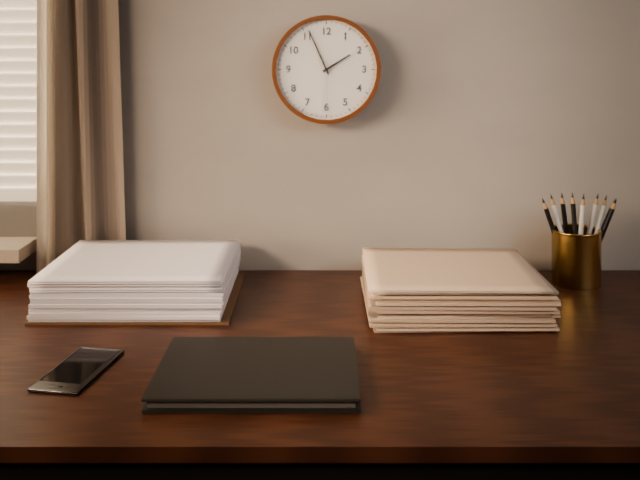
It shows 1:56:31
